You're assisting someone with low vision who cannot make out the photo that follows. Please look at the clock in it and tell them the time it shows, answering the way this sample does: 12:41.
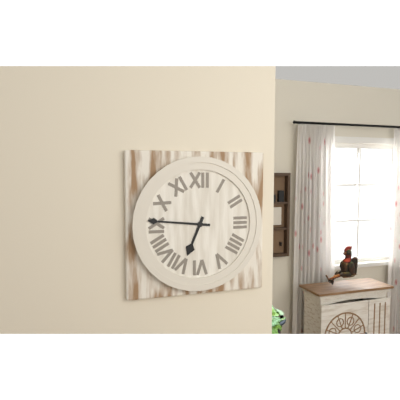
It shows 6:46
